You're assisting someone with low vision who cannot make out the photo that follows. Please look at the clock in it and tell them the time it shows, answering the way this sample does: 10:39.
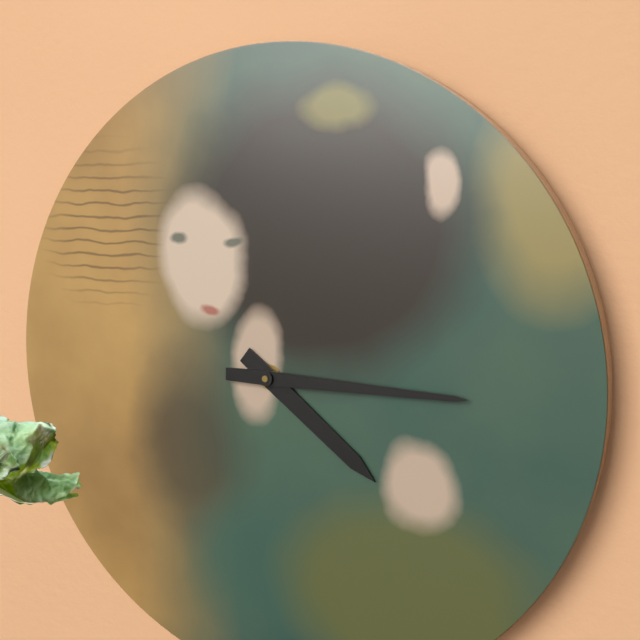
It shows 4:15
